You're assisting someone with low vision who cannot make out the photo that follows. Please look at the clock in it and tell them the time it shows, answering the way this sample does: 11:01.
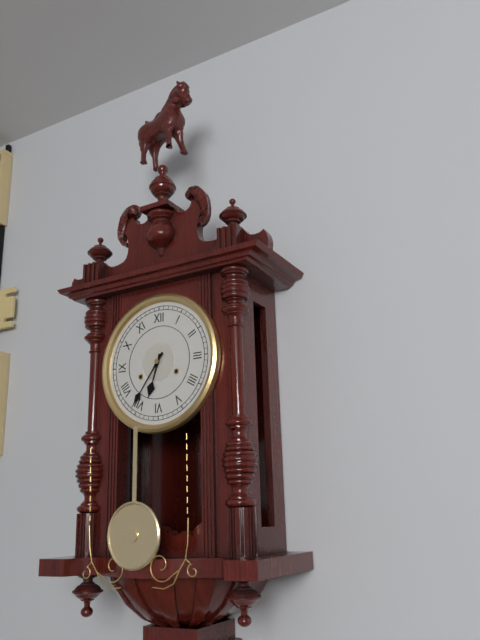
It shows 6:36
